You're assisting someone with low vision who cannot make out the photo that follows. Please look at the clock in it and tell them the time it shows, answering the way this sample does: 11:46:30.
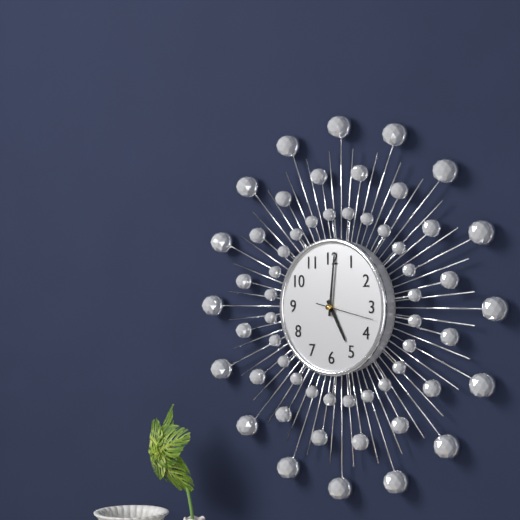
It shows 5:01:17
